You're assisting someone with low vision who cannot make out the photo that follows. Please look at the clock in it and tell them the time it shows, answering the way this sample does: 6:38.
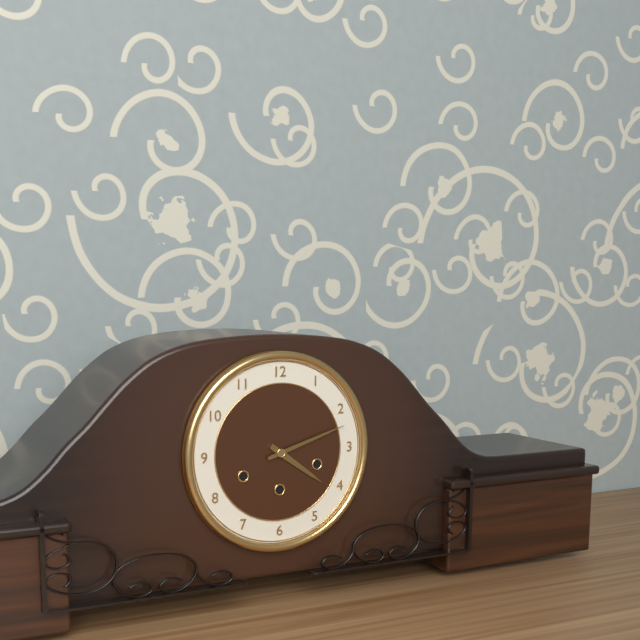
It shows 4:12
